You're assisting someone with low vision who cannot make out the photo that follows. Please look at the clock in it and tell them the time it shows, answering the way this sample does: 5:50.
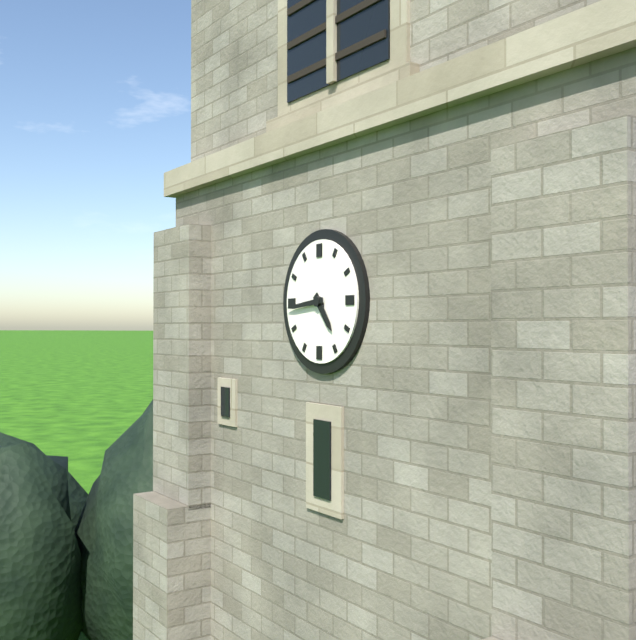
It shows 4:44
